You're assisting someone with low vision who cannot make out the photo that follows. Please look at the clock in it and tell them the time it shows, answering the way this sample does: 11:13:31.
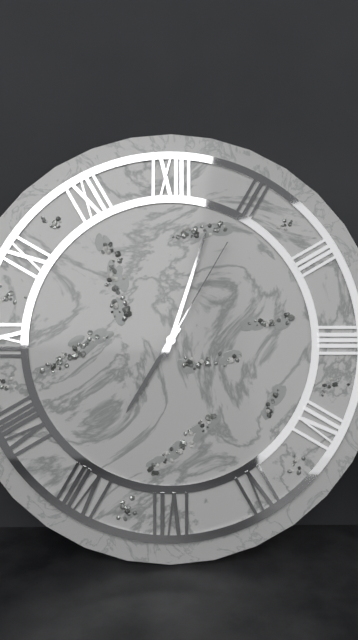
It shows 7:03:05
